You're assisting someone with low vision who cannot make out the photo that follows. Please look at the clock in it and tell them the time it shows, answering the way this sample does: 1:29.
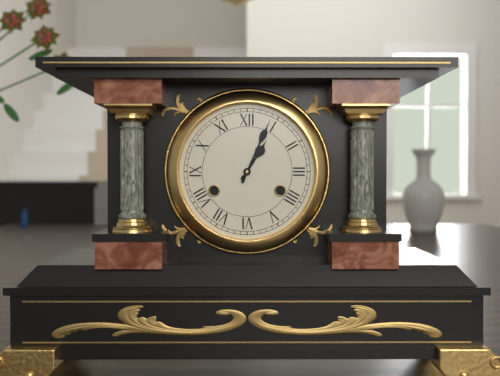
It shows 1:04
